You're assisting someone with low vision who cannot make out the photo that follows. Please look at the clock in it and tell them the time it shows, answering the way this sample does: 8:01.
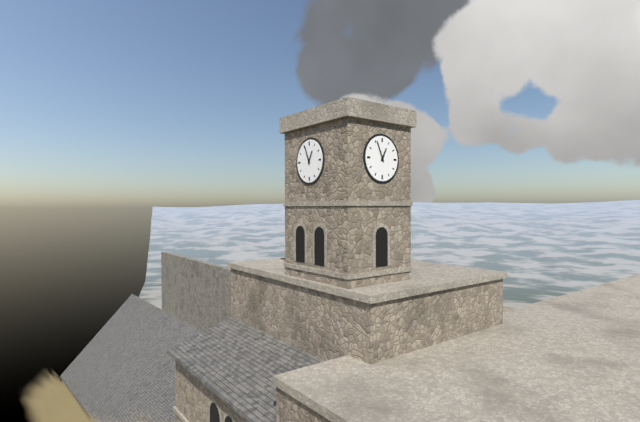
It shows 12:56
